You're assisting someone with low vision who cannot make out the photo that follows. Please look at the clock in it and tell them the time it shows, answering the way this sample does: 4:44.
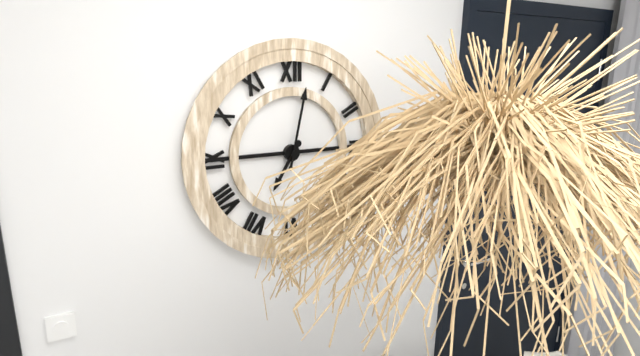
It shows 7:02
